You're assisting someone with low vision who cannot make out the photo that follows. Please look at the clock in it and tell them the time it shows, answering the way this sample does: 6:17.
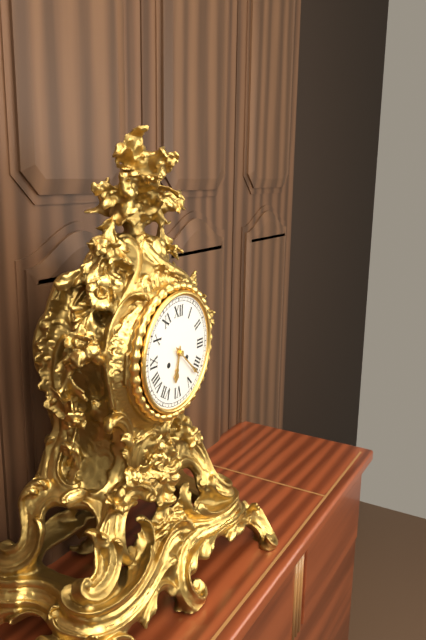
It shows 6:22
